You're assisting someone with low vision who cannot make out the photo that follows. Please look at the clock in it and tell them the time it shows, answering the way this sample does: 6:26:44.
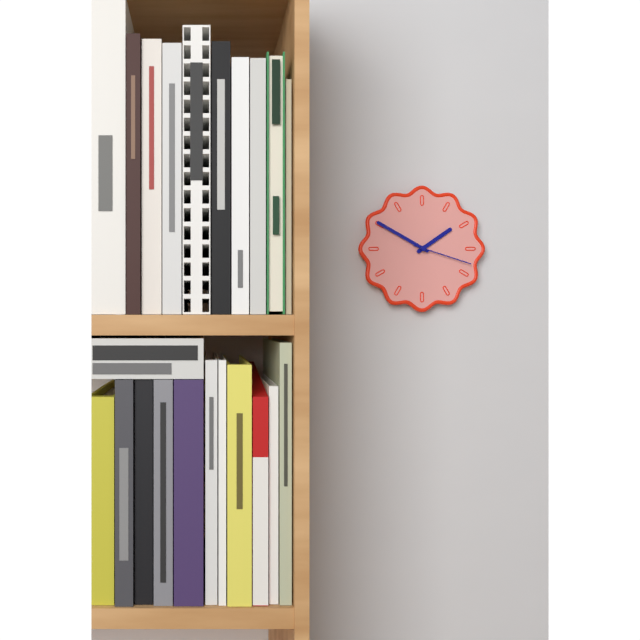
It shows 1:50:18
